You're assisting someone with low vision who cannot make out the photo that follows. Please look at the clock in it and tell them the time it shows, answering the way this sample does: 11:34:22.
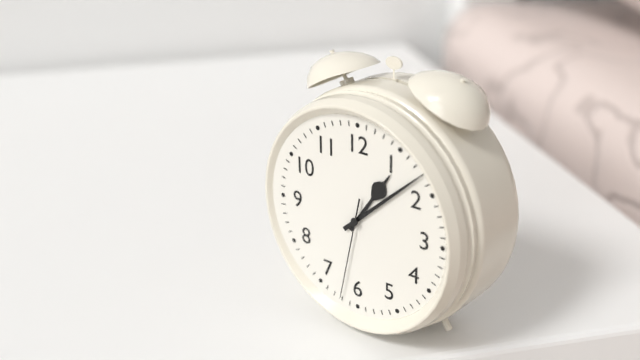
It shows 1:08:32
